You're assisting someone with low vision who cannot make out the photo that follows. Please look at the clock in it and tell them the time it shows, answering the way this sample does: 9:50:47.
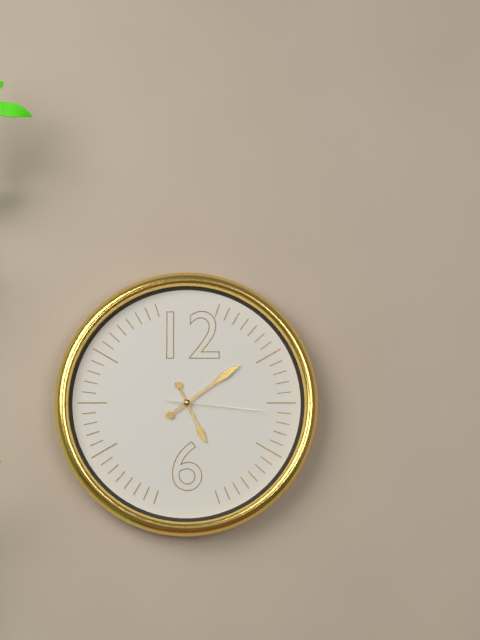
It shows 5:09:16
